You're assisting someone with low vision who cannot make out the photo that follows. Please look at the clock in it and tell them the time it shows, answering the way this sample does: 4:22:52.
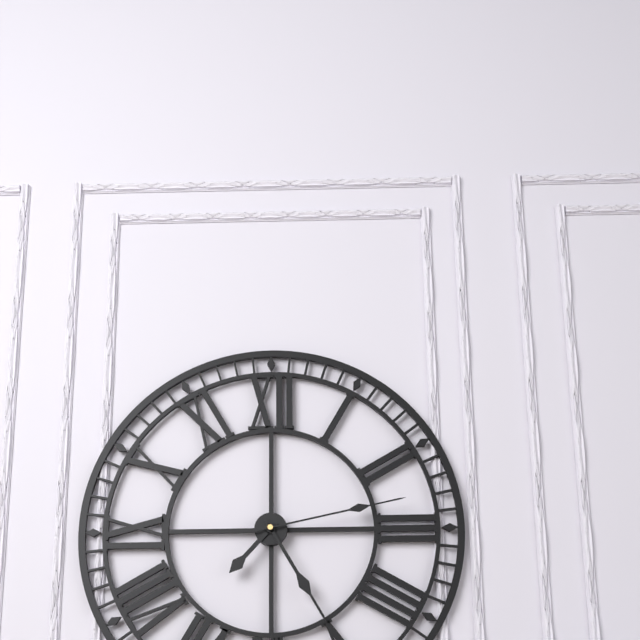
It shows 7:25:13
